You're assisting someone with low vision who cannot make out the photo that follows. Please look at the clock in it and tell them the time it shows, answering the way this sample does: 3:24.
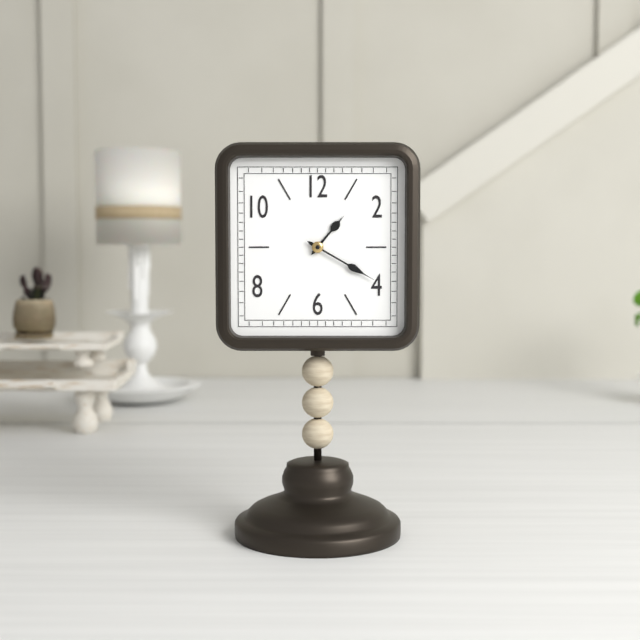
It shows 1:20
